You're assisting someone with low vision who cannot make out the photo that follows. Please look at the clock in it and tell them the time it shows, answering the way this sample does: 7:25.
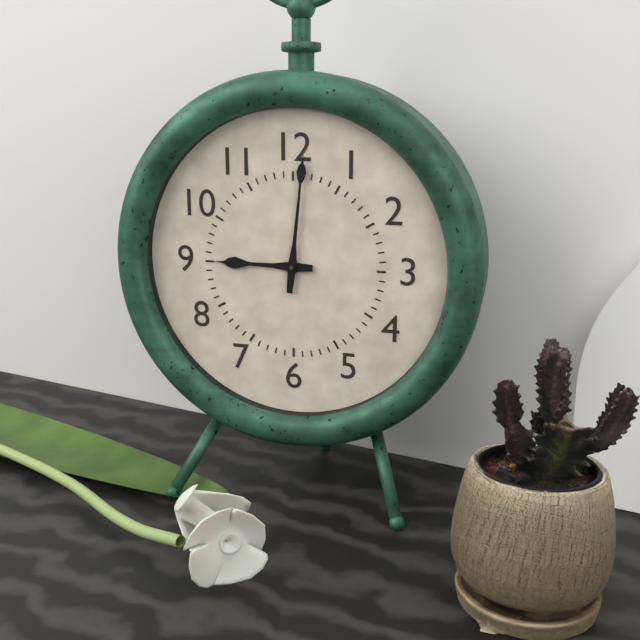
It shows 9:01
